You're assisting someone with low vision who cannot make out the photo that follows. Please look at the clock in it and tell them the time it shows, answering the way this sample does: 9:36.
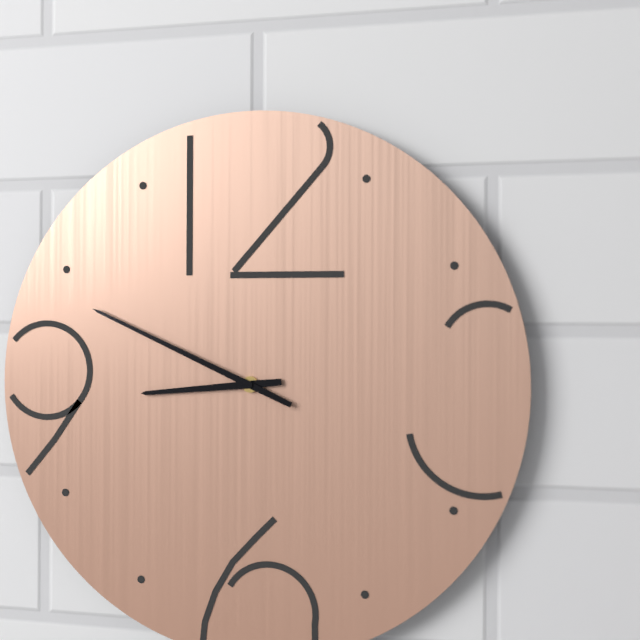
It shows 8:49
